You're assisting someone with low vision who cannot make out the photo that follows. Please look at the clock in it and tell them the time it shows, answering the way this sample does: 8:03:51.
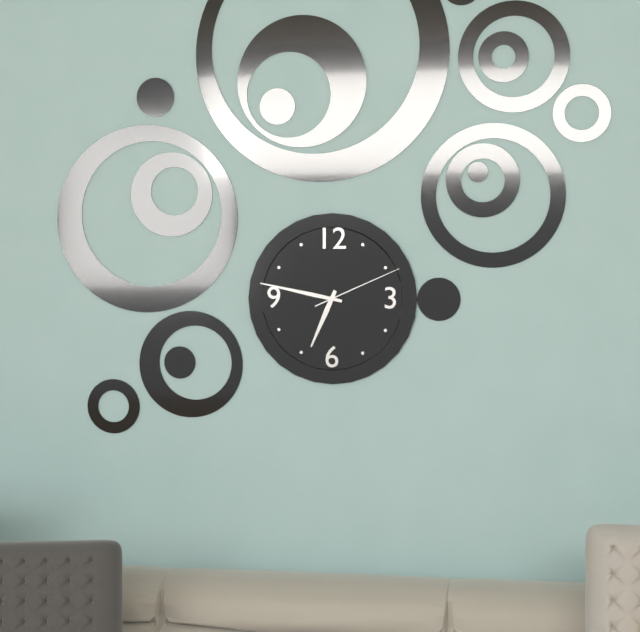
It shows 6:47:11
